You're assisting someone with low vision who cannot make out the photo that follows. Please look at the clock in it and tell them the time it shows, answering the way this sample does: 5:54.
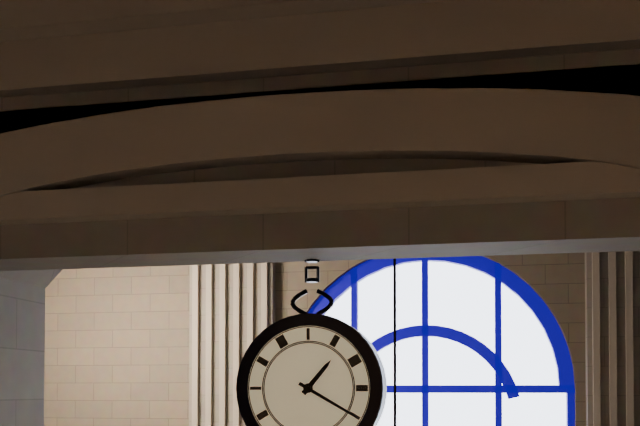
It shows 1:20
